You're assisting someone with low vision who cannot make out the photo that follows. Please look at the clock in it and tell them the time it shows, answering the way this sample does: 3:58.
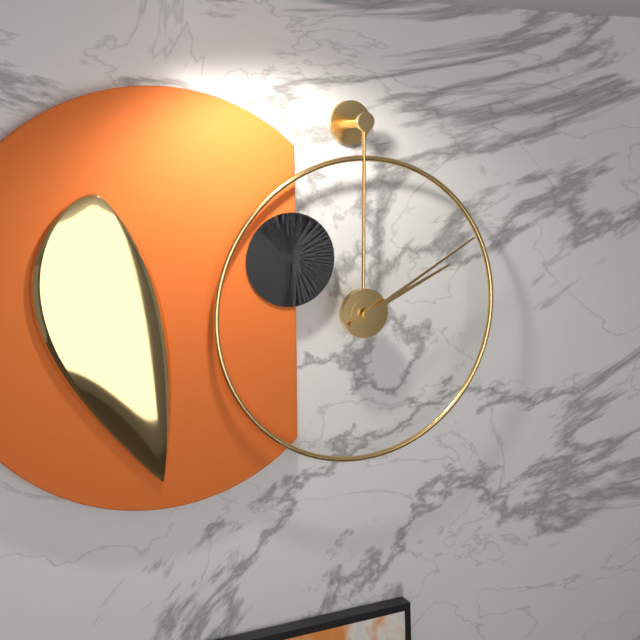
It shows 2:10
